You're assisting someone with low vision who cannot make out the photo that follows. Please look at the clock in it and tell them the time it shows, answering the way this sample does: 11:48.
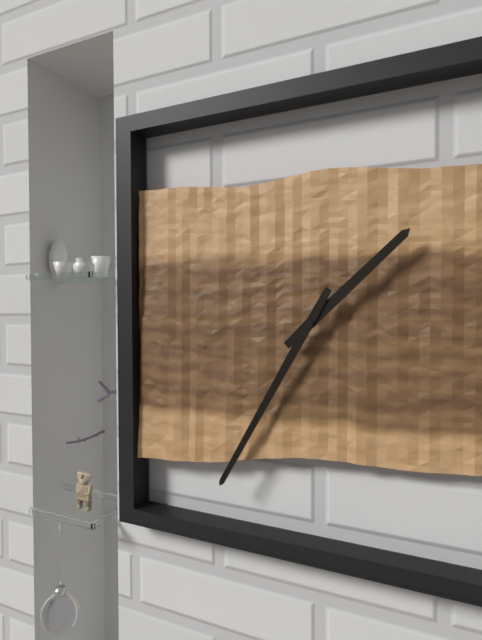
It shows 1:35
